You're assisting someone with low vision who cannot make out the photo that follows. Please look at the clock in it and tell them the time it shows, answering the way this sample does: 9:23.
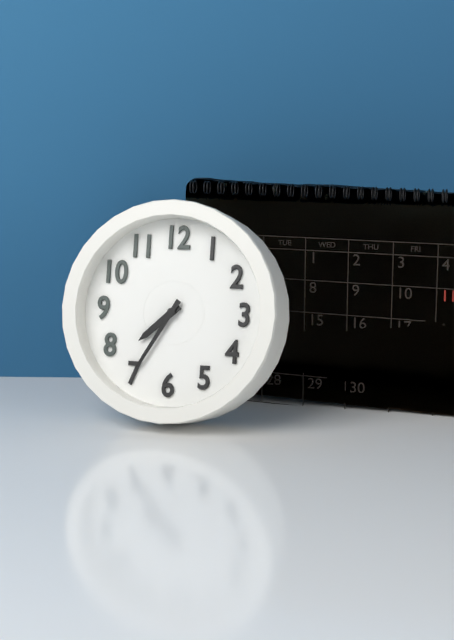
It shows 7:35
